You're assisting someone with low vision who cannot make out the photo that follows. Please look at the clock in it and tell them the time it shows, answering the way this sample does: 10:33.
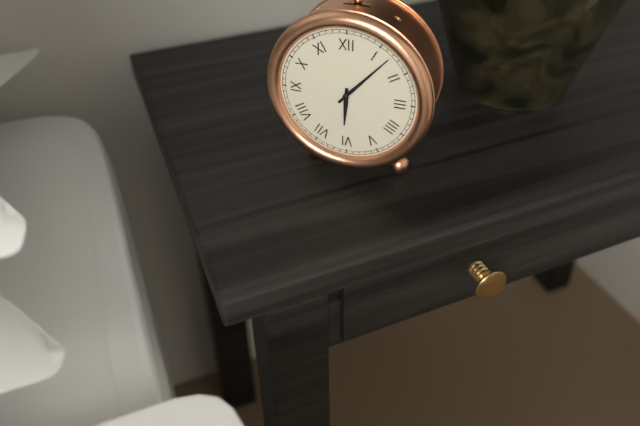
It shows 6:07
